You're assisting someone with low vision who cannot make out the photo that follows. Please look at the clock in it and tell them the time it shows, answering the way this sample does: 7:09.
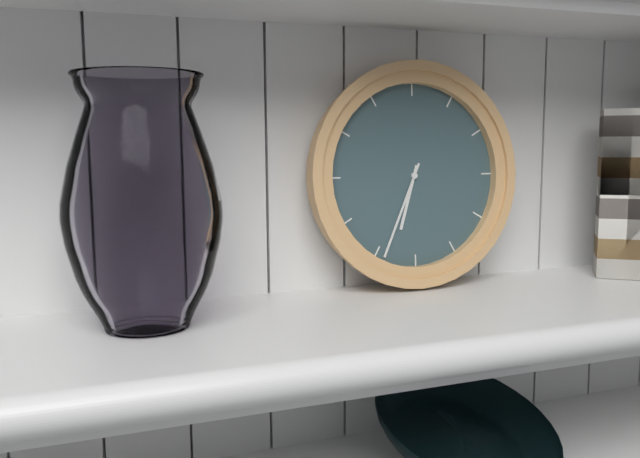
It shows 6:34
